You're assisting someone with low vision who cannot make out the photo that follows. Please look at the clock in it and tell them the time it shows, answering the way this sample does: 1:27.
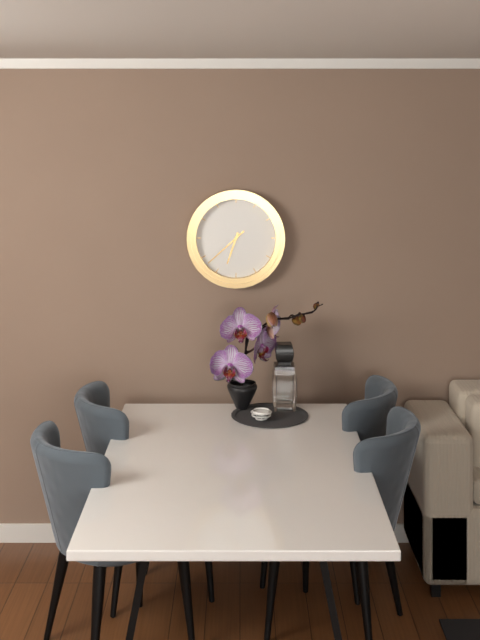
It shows 6:38
